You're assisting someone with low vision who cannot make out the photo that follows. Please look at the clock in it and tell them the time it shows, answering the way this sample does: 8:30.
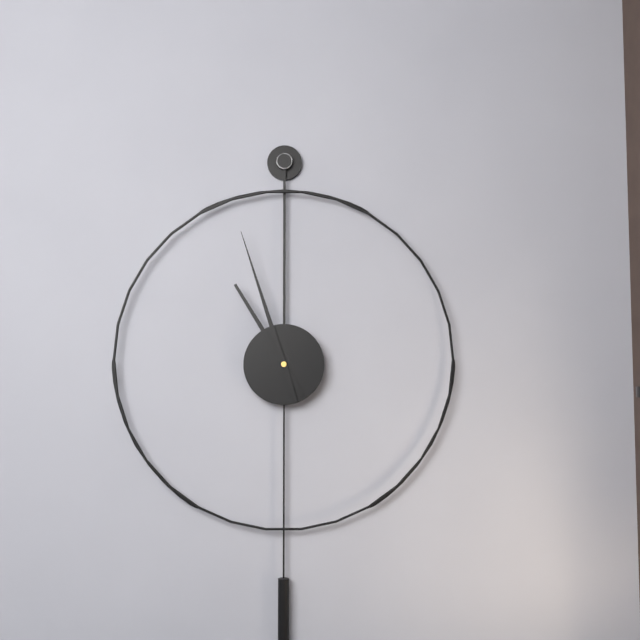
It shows 10:57
